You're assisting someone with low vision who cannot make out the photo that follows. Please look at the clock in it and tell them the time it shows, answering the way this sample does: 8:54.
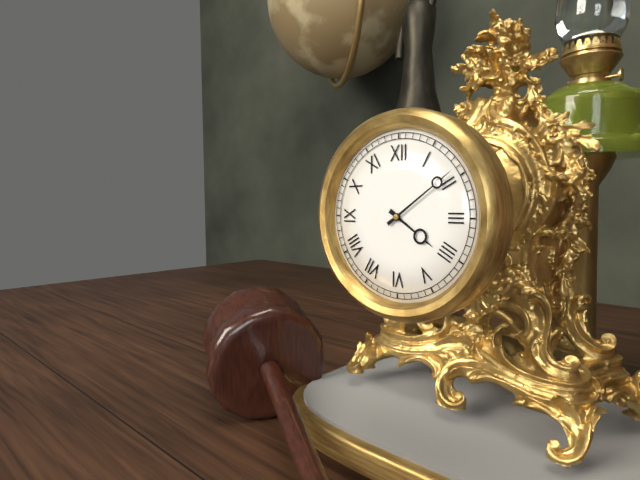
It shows 4:09
